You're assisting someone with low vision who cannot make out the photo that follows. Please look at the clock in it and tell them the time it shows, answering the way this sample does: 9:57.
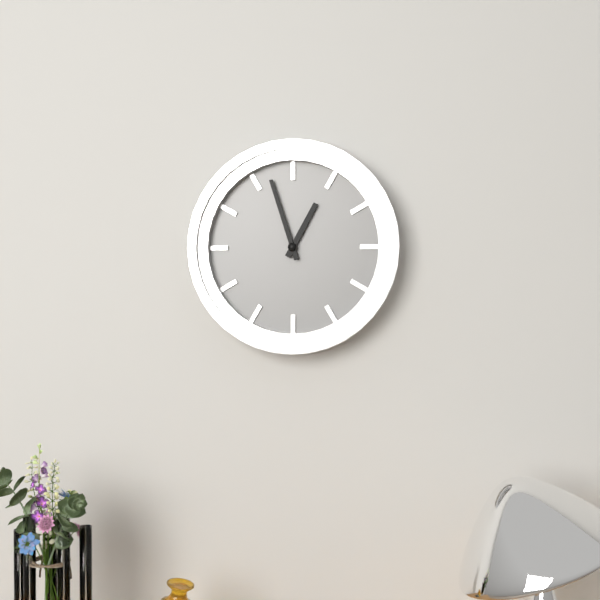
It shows 12:57
